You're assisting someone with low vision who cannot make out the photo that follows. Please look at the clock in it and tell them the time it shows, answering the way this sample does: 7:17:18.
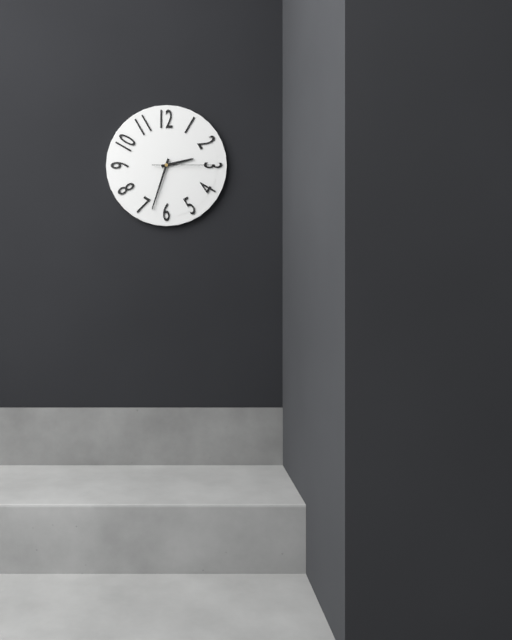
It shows 2:33:15
